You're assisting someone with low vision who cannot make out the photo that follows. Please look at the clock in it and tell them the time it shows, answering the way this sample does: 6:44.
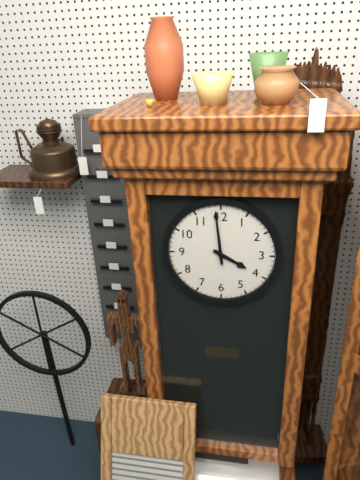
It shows 3:59
